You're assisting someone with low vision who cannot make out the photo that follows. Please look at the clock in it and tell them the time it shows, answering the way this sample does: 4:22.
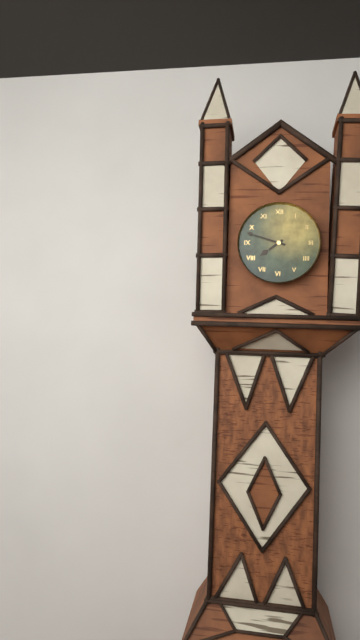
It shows 7:48
